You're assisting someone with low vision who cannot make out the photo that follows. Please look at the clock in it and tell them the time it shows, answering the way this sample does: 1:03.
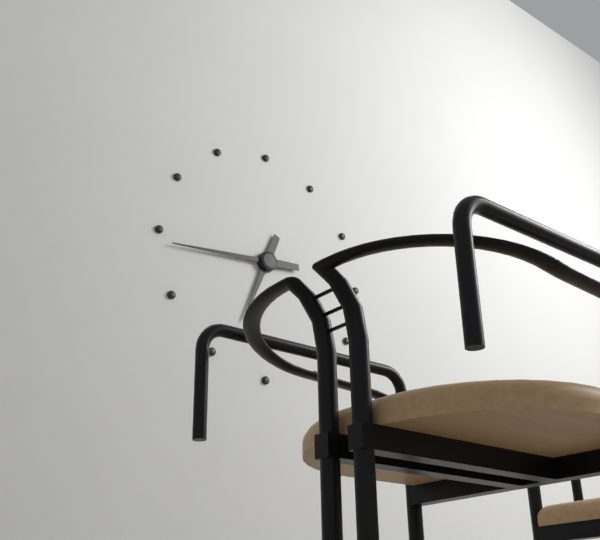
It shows 6:44
